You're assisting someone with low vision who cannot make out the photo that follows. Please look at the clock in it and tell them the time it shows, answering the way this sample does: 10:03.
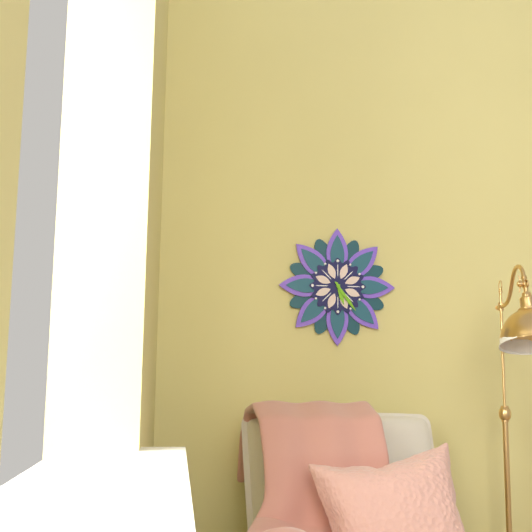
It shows 5:24
